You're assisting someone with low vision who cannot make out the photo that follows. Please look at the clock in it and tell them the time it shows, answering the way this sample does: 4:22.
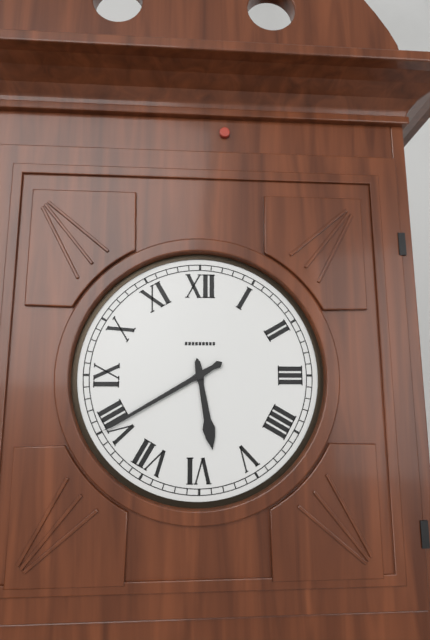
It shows 5:40
